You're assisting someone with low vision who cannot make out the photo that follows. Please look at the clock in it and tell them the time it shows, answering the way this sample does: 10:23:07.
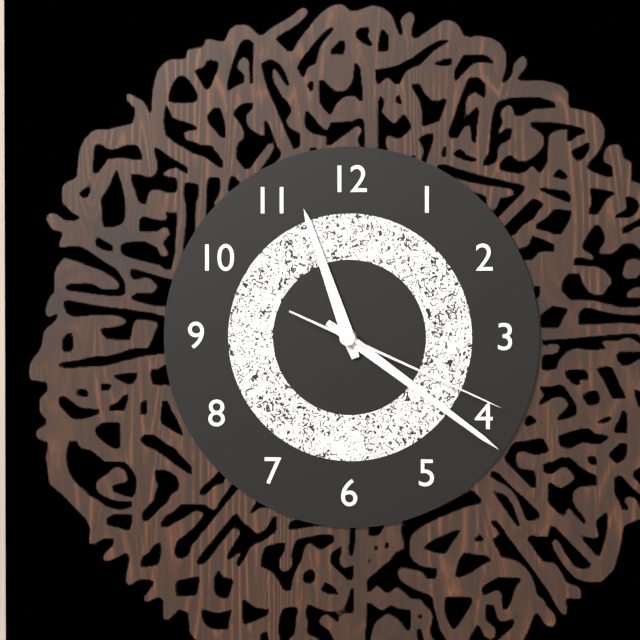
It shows 11:21:19
